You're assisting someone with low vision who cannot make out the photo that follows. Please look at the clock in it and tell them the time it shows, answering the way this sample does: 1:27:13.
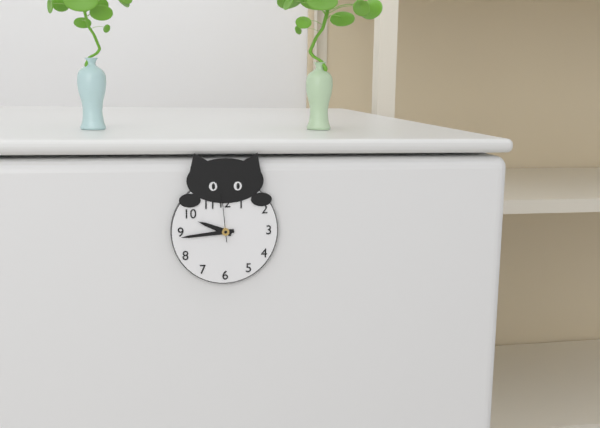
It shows 9:44:59
